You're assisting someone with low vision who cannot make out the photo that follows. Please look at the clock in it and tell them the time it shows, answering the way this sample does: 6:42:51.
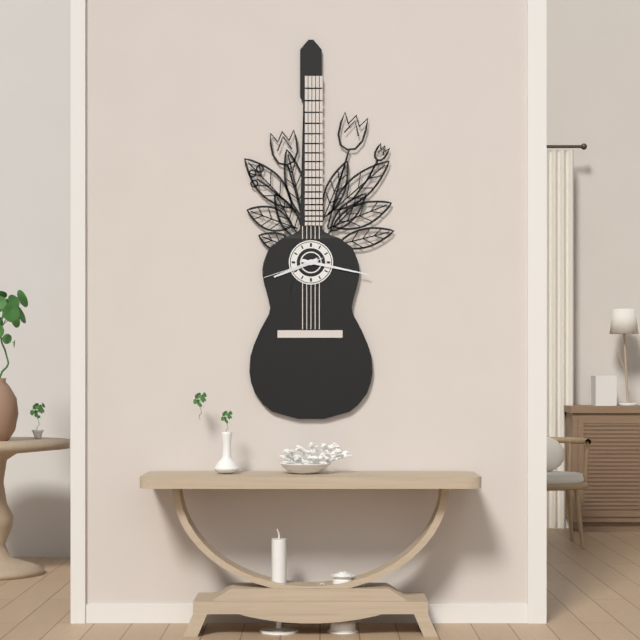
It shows 8:17:42
